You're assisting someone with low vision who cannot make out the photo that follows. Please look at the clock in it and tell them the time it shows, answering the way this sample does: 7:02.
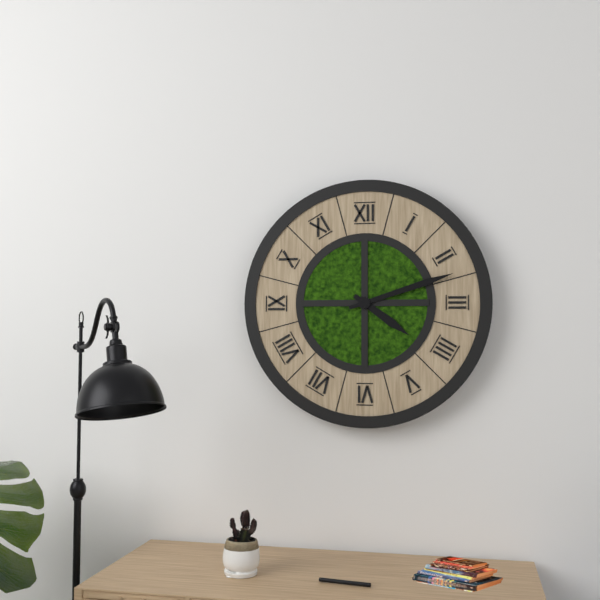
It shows 4:12
